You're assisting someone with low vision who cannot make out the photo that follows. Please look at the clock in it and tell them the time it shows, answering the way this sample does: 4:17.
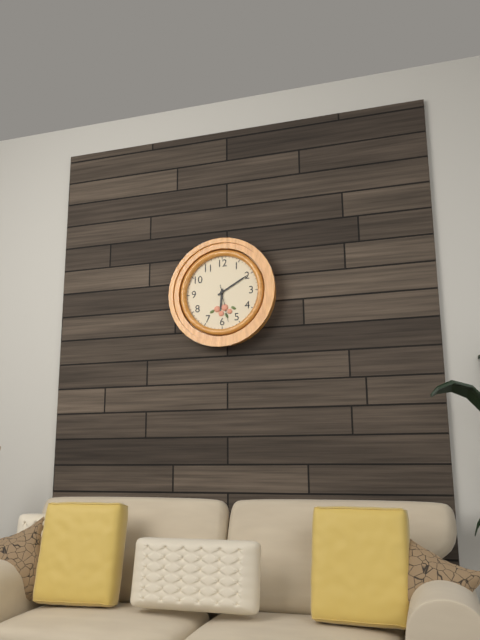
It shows 6:10
